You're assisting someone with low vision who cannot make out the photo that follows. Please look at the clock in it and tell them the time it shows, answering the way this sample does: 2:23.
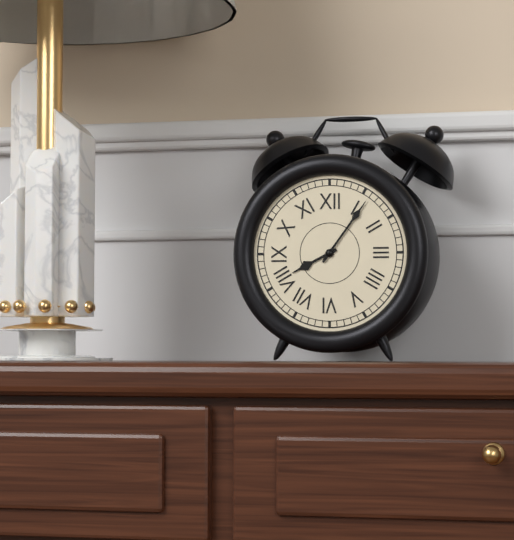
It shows 8:06
